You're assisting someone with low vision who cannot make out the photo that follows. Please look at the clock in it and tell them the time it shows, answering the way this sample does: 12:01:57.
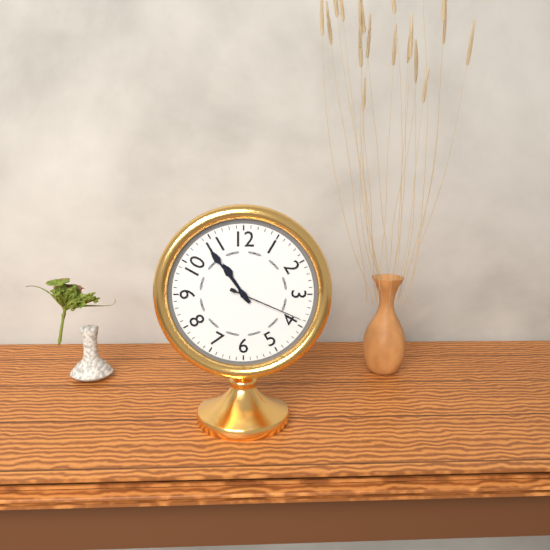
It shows 10:54:19
